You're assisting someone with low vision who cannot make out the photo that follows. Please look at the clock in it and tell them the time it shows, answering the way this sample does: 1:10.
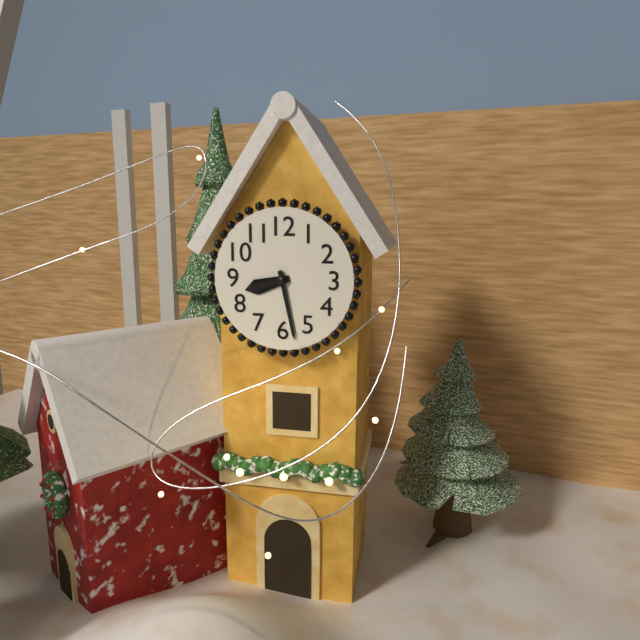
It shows 8:28
